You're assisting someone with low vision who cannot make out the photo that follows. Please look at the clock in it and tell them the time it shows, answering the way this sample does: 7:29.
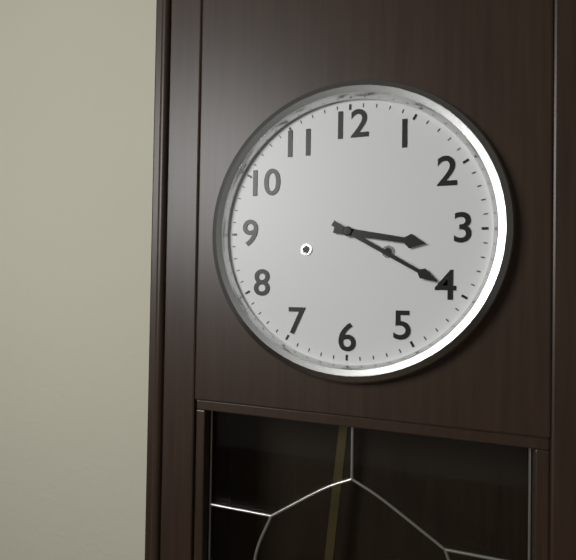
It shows 3:20
